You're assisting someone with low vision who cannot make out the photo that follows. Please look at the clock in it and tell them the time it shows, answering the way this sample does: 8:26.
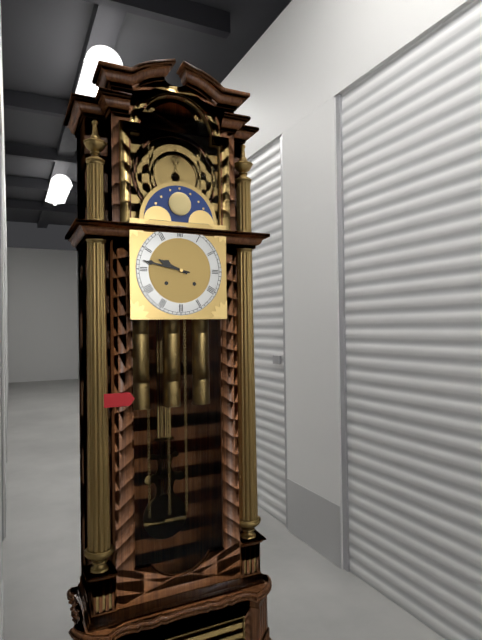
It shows 9:47
